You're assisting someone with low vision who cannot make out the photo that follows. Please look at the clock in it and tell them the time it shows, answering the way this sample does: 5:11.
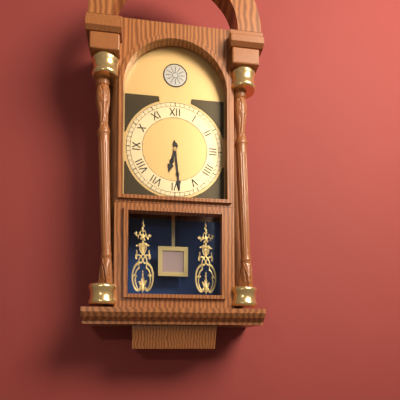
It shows 6:29
